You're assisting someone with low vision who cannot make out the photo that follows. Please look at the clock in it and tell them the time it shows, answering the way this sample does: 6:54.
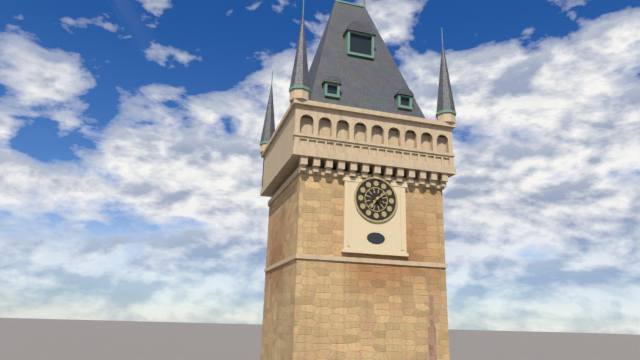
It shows 7:09
